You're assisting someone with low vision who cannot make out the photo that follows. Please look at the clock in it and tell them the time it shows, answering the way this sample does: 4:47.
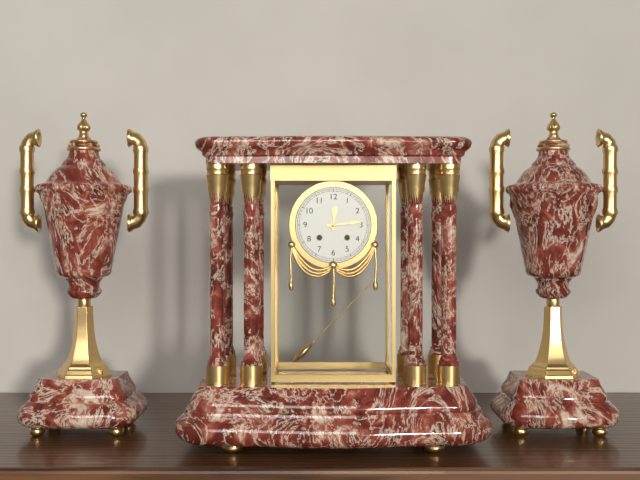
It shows 12:14
